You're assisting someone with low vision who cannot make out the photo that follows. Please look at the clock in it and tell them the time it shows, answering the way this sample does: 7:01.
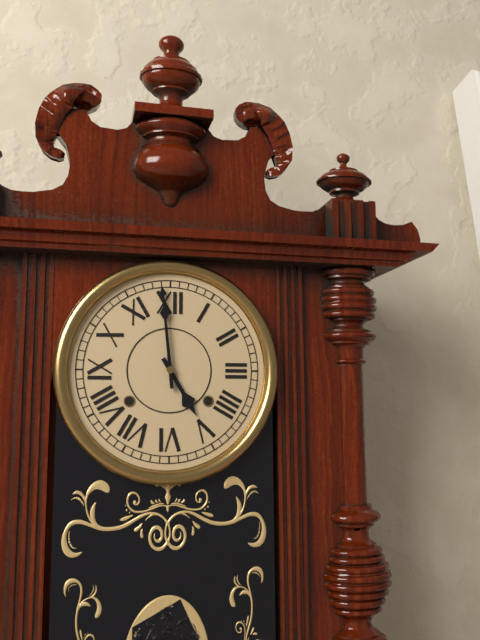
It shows 4:59
